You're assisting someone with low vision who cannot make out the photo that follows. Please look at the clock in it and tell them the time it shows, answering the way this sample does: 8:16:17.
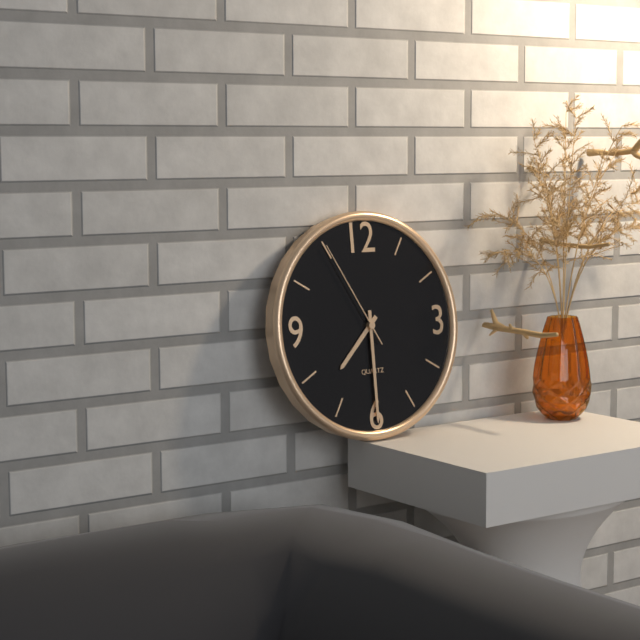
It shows 7:30:55
